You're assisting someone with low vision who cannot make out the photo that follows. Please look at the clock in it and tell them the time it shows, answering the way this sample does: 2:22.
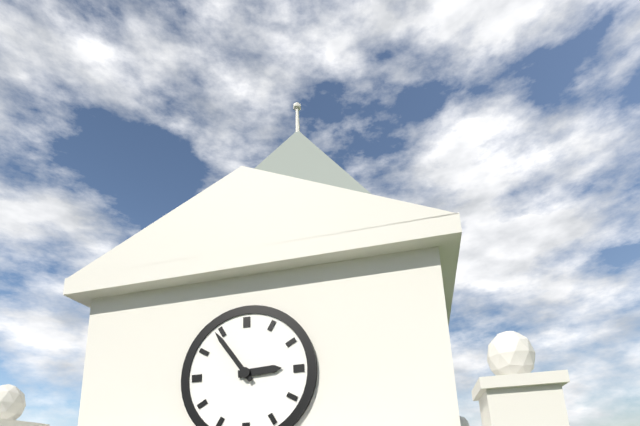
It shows 2:54
